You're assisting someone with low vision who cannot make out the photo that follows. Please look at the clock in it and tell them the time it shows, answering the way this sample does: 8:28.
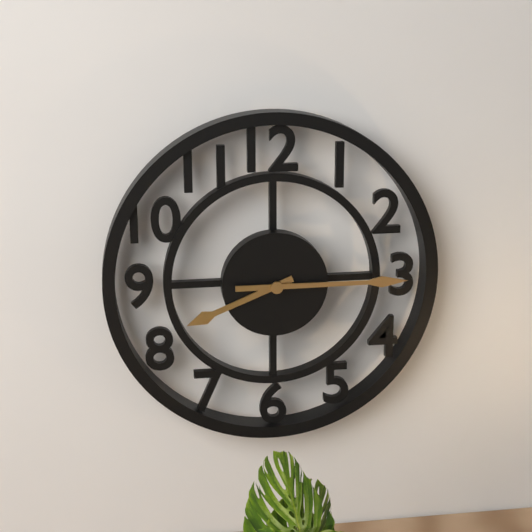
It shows 8:15
